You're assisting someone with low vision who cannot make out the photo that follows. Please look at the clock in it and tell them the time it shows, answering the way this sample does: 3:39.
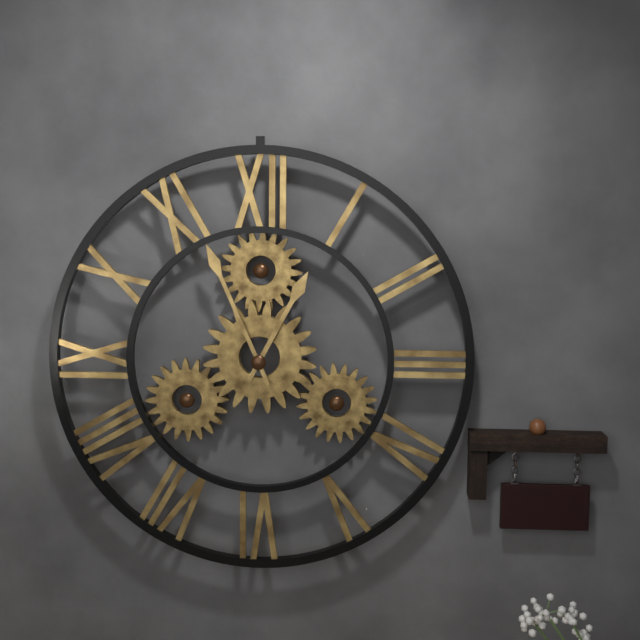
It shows 12:56
